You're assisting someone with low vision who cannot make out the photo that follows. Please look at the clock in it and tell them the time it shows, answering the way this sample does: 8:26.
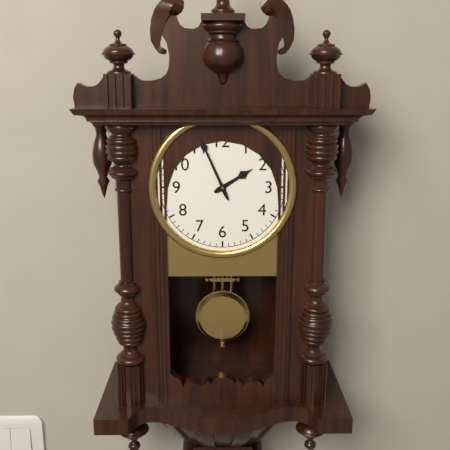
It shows 1:56
